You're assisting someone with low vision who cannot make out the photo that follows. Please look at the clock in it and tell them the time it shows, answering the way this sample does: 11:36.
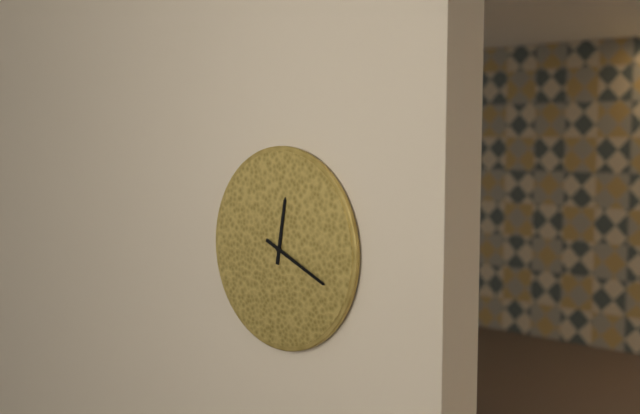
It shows 12:19
